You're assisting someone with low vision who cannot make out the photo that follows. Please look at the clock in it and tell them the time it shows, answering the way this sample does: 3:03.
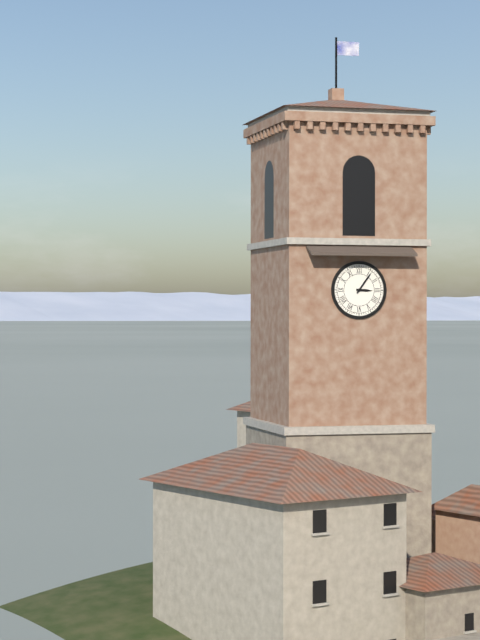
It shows 3:06
